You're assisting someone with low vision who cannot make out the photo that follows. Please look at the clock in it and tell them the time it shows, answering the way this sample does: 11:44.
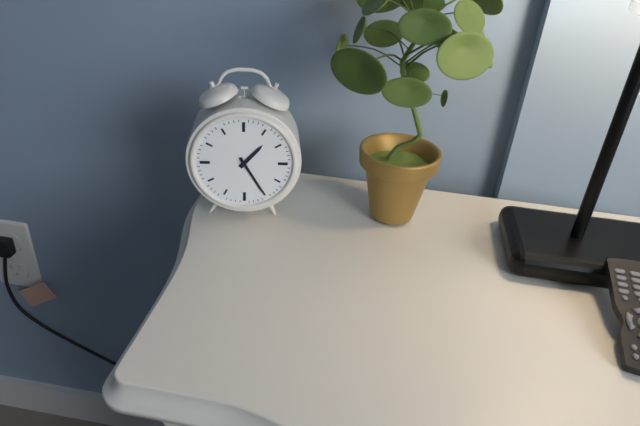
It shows 1:25
